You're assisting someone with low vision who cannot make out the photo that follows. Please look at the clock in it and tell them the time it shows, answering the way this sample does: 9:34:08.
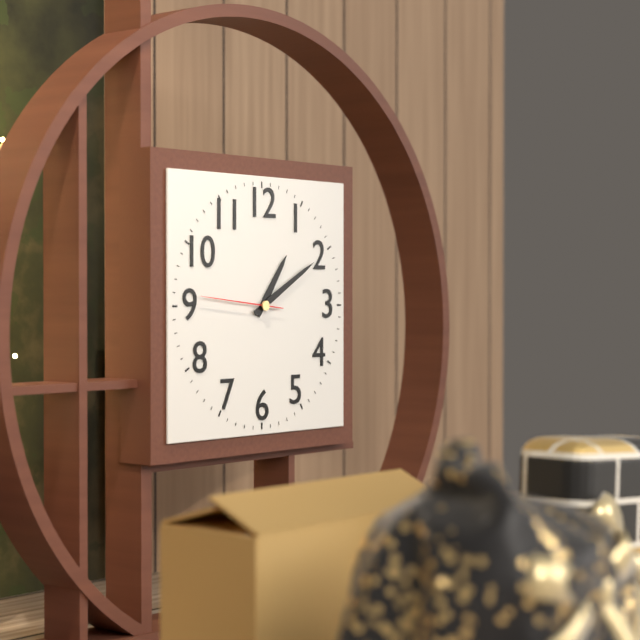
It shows 1:10:46
